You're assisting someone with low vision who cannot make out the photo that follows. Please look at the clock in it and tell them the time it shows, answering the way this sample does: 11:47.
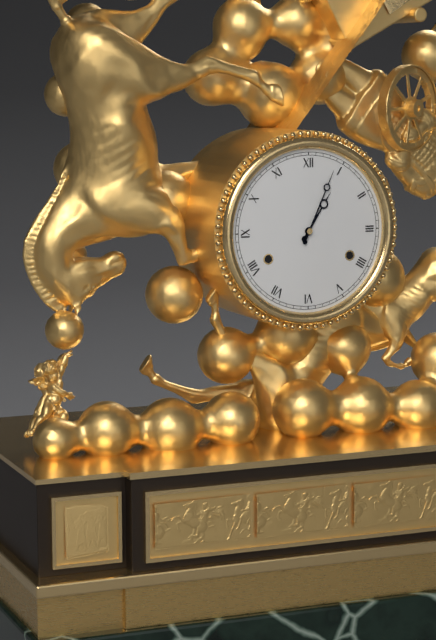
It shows 1:04
